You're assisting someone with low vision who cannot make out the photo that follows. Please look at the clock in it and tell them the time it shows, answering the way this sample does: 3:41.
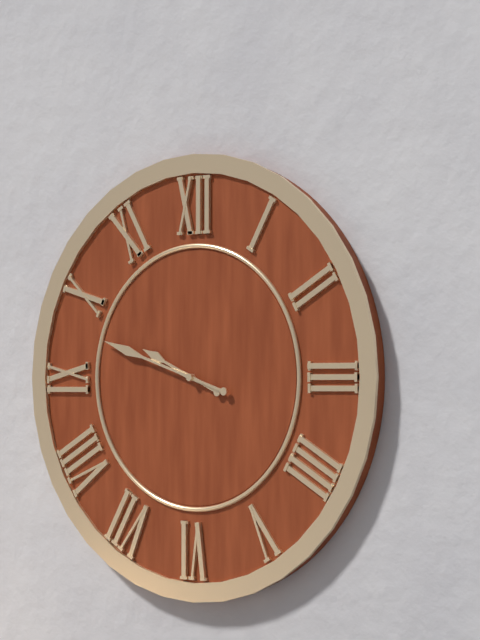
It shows 9:48
